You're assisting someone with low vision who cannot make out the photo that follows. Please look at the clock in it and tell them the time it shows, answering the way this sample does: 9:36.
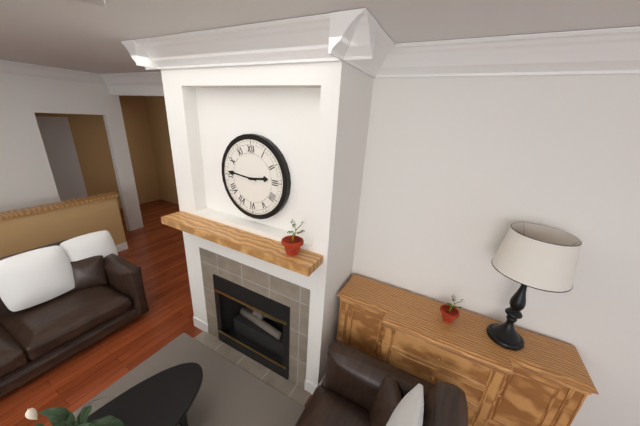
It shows 2:46
